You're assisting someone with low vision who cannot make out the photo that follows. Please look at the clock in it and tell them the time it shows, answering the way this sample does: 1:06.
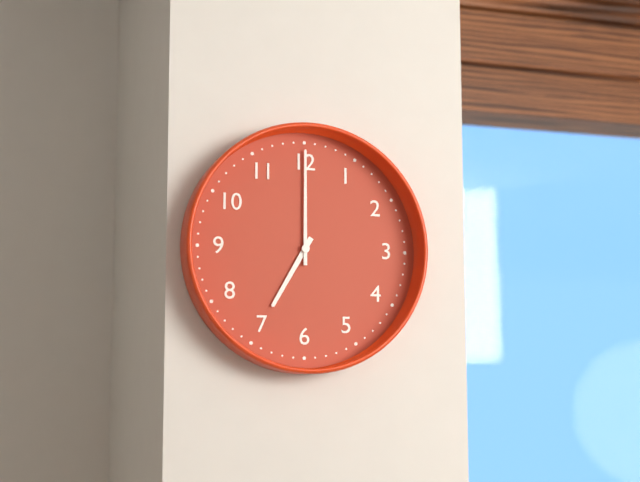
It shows 7:00
